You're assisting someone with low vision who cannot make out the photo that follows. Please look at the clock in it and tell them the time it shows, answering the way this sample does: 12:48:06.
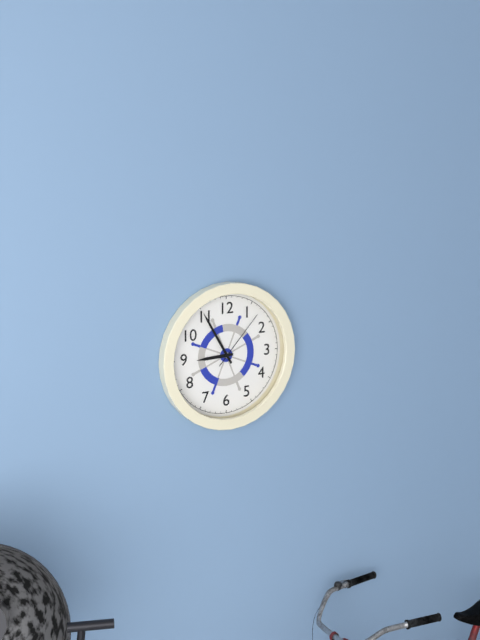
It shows 8:55:07
